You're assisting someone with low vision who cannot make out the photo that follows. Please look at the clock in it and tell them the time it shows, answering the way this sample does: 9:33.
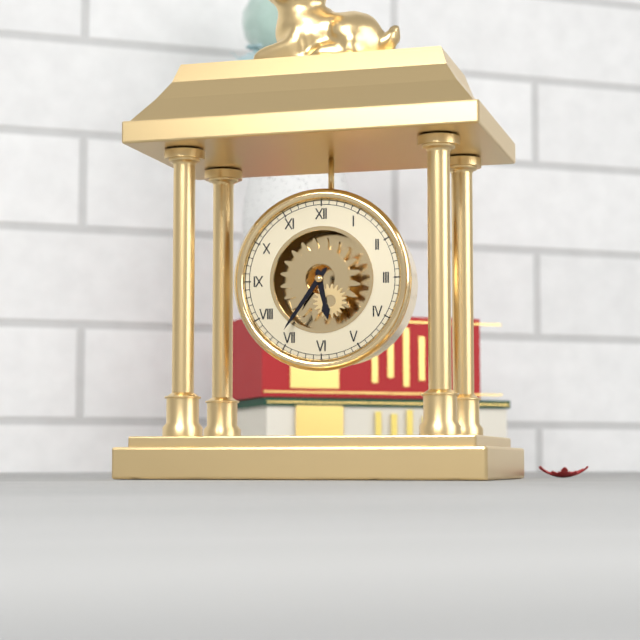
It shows 5:36
